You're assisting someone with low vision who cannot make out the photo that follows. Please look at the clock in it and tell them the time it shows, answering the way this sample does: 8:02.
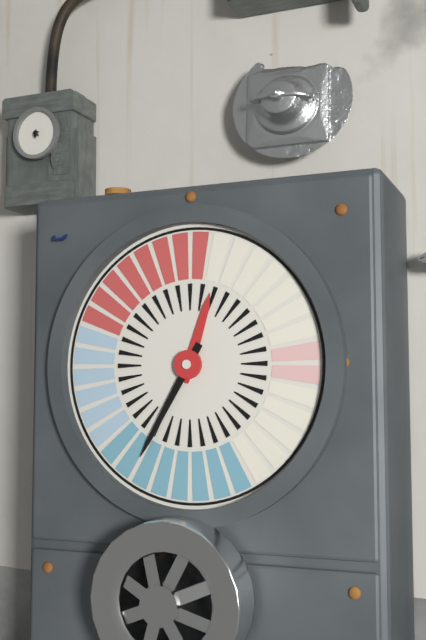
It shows 12:35
